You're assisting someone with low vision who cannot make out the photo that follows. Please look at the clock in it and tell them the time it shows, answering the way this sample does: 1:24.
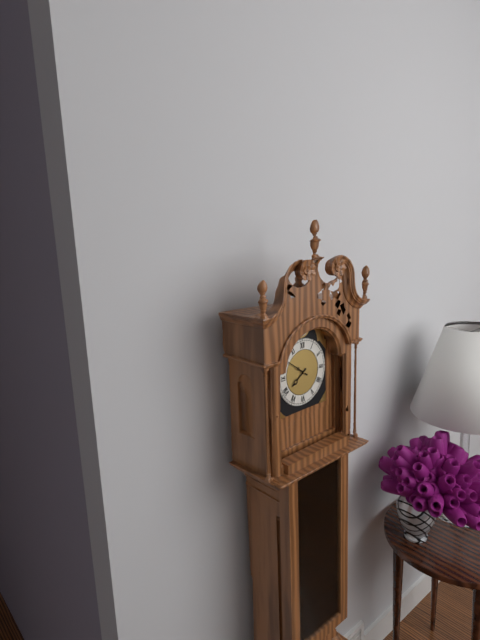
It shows 7:51
